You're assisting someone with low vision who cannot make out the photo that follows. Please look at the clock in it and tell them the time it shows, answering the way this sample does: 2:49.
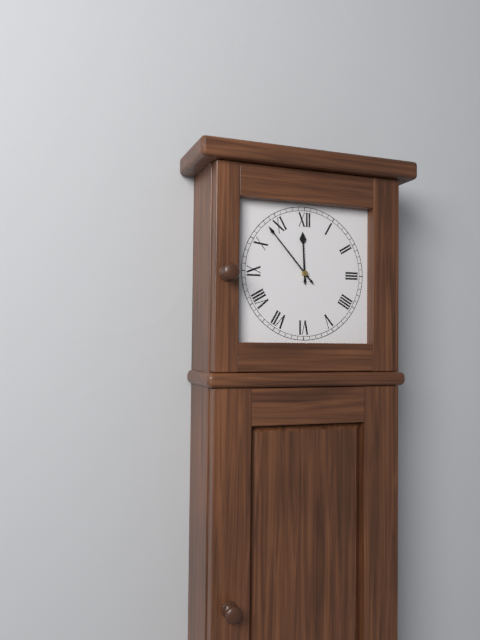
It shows 11:53
